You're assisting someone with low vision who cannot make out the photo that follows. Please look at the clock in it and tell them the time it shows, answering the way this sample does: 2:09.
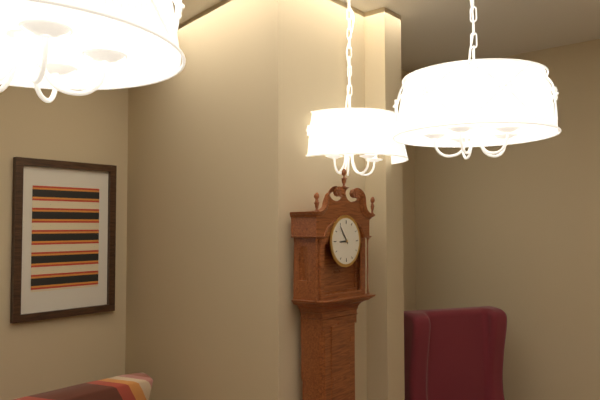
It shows 8:54
